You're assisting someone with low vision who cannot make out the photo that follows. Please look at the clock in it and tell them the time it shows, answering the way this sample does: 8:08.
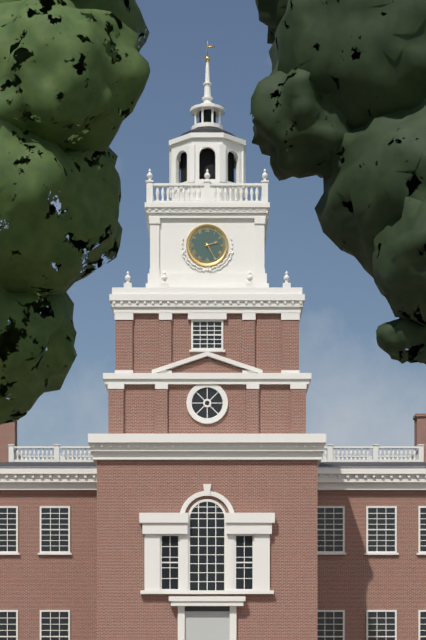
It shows 2:25
